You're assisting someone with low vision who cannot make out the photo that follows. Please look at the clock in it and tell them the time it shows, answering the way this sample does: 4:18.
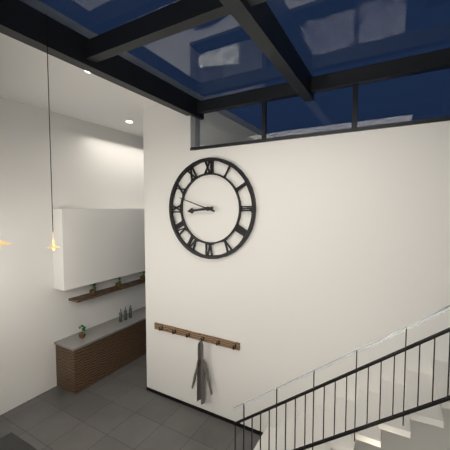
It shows 8:48
